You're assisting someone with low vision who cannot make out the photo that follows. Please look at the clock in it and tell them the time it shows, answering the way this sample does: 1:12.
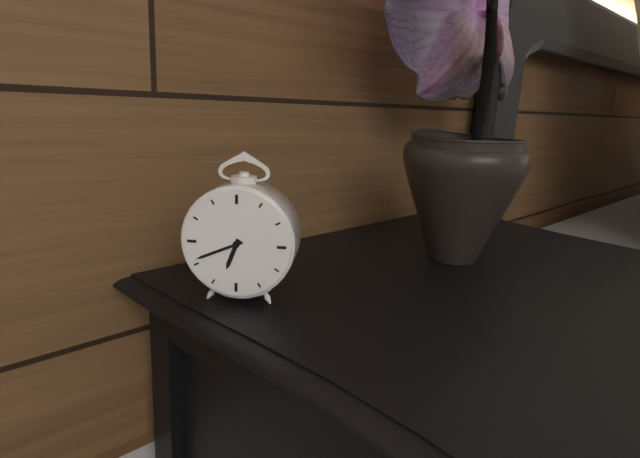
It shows 6:41
